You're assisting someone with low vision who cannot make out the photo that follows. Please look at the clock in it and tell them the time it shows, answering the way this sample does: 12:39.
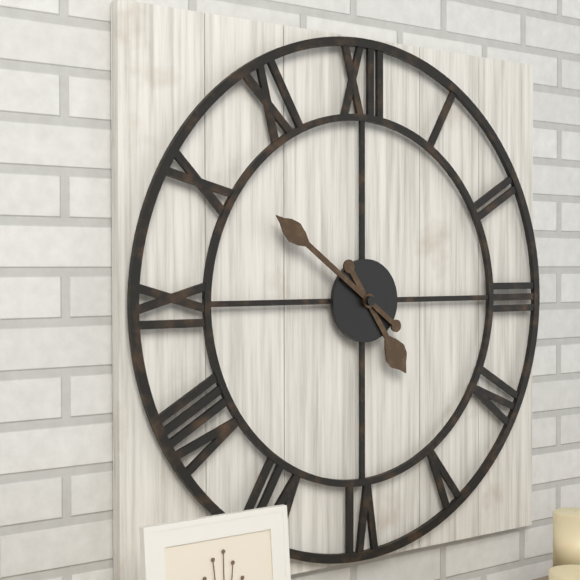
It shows 4:51
